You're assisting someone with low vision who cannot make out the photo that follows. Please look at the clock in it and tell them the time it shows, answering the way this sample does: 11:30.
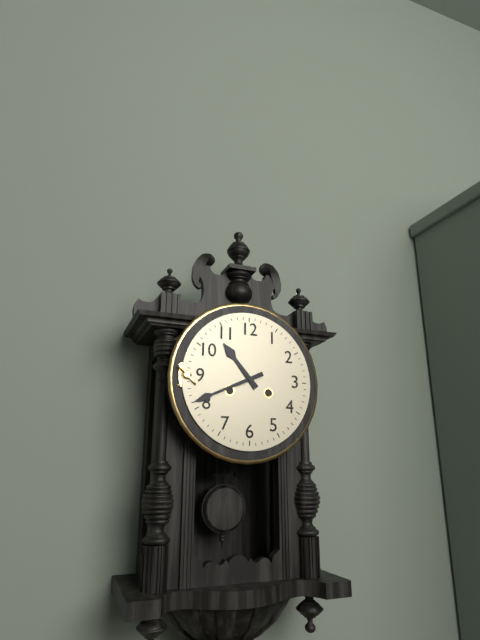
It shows 10:41
